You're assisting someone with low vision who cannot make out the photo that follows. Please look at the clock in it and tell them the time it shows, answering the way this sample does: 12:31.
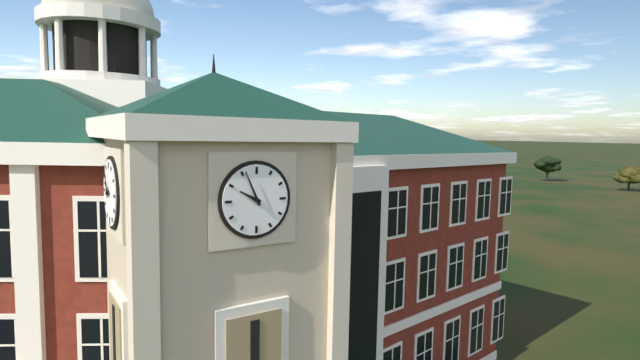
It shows 9:56
